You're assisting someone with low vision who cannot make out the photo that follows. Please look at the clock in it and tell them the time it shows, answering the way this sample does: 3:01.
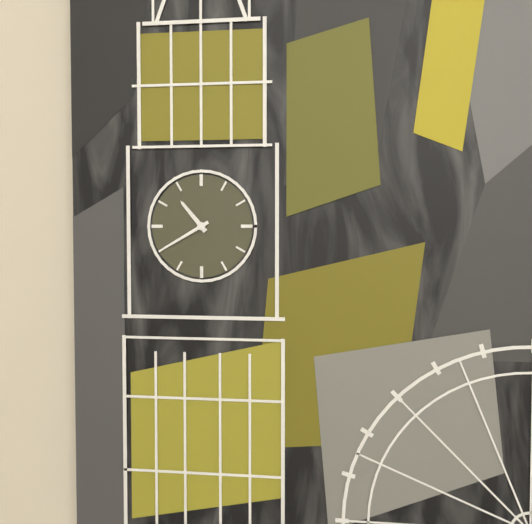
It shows 10:40
